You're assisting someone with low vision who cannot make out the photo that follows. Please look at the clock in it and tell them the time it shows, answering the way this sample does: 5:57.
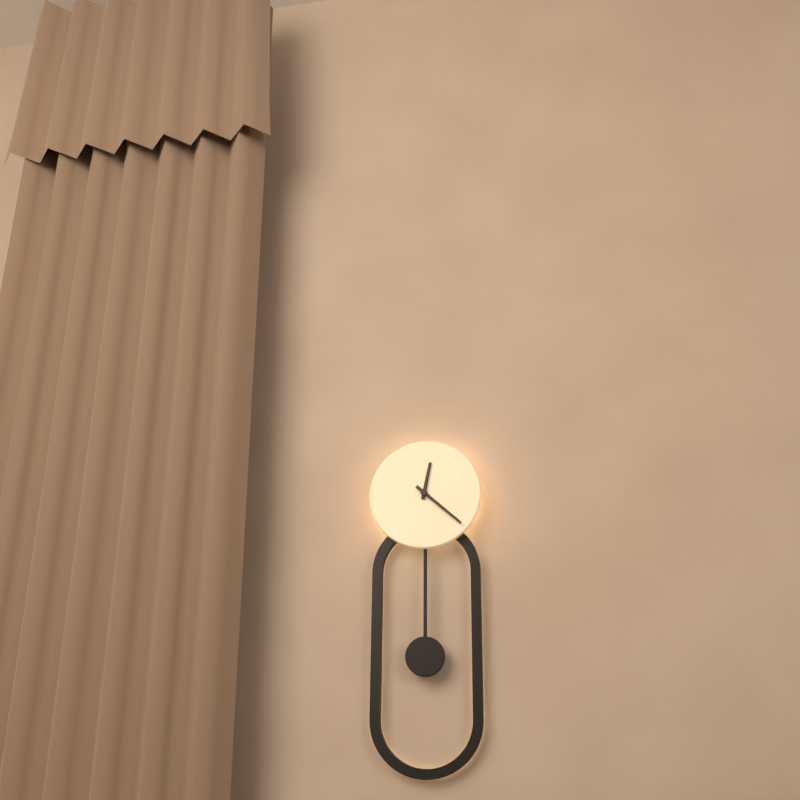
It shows 12:22
